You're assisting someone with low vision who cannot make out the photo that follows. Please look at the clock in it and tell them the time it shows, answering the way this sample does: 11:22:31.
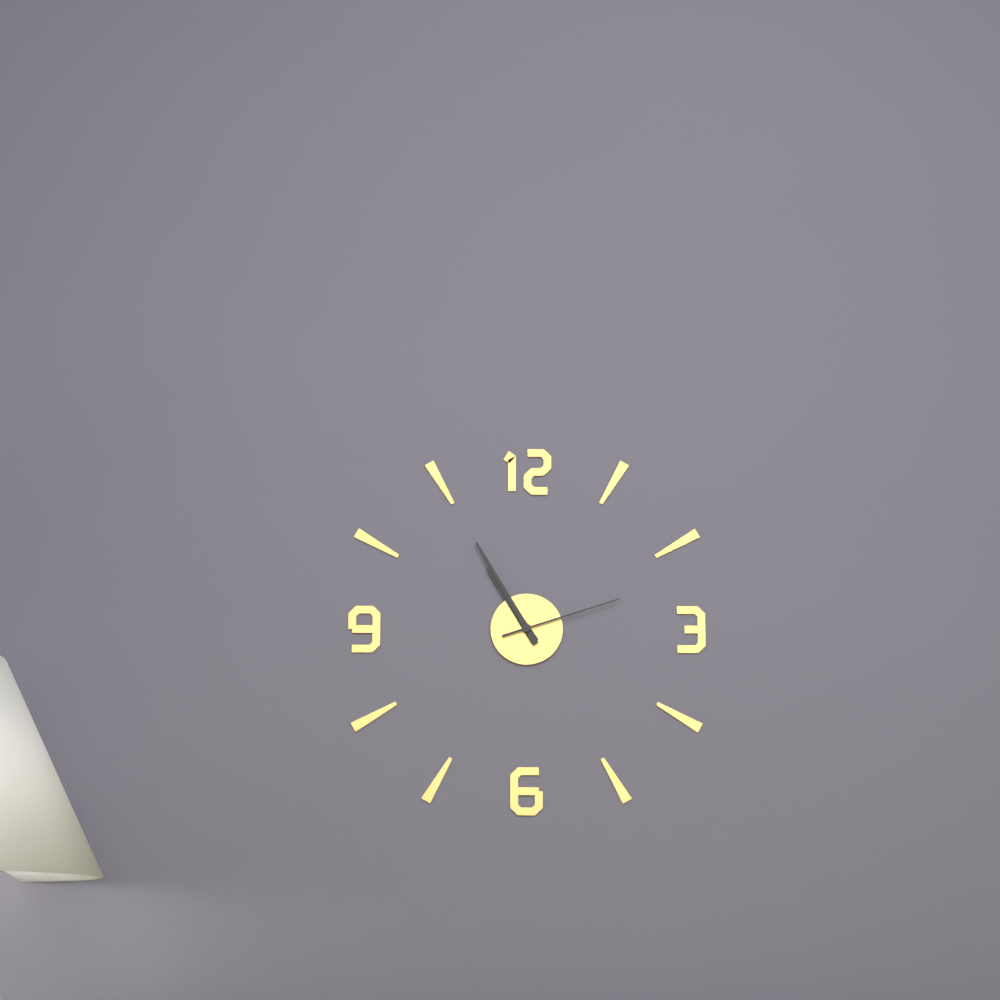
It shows 10:55:12
